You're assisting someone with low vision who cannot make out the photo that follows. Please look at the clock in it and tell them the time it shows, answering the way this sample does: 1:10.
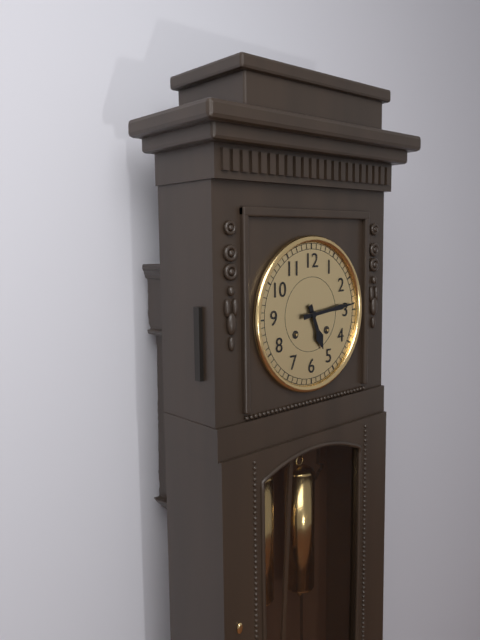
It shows 5:14
